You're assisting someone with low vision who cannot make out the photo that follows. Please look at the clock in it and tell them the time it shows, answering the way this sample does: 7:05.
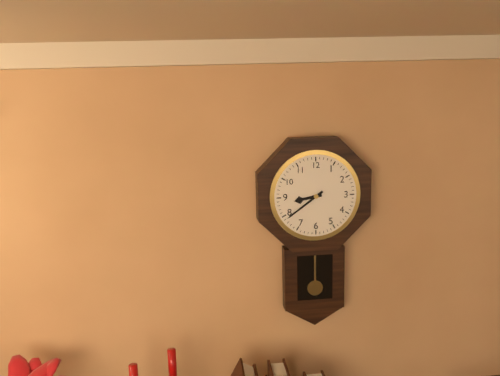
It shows 8:39
